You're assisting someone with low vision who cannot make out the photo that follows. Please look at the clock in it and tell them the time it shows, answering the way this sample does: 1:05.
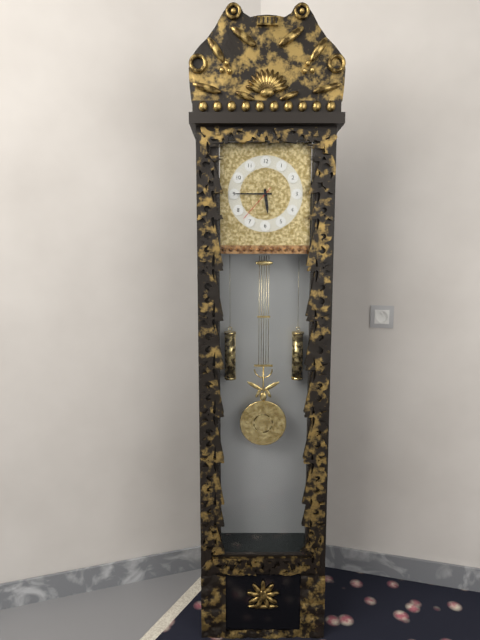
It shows 5:45
